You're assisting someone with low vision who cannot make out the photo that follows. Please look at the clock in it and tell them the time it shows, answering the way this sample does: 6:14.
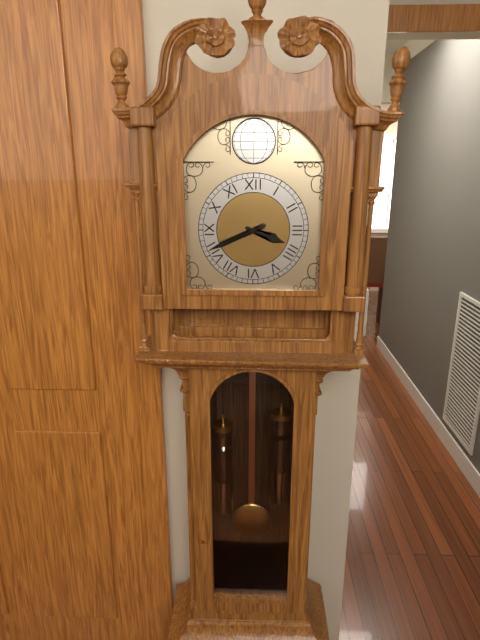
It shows 3:41
